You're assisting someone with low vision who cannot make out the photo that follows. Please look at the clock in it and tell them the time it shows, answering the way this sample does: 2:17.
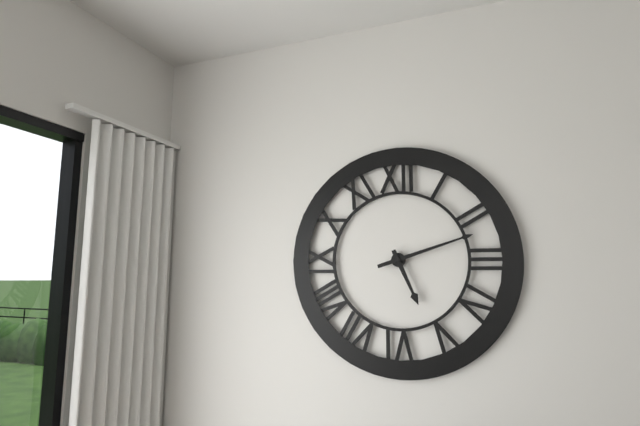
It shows 5:12
